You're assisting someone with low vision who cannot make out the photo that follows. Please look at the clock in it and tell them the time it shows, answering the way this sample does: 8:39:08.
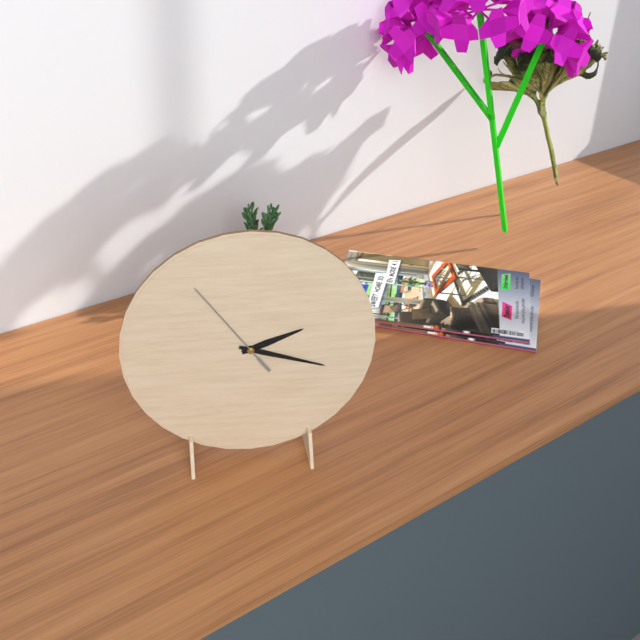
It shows 2:18:54
